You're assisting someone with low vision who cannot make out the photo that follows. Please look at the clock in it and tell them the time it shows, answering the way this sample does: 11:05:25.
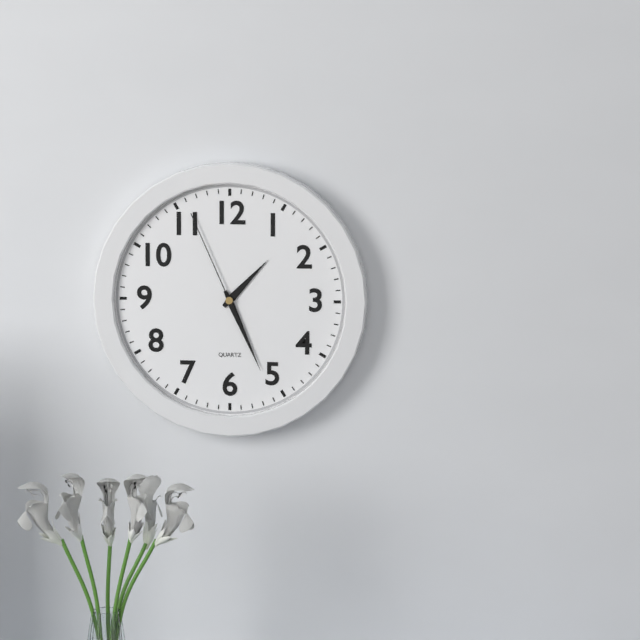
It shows 1:26:56
